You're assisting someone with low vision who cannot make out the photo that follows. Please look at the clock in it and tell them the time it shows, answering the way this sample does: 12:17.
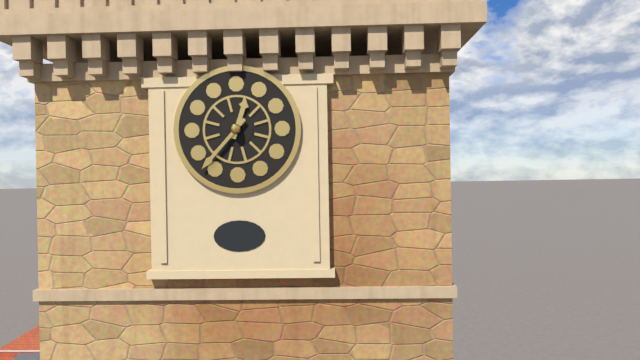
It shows 12:37
